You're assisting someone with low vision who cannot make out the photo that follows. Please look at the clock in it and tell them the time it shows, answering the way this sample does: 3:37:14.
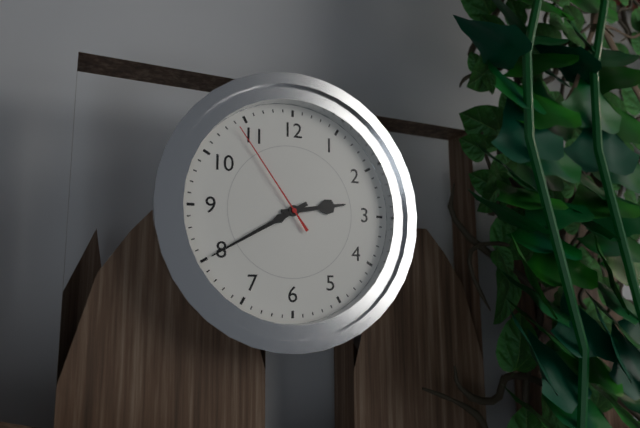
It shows 2:40:54
